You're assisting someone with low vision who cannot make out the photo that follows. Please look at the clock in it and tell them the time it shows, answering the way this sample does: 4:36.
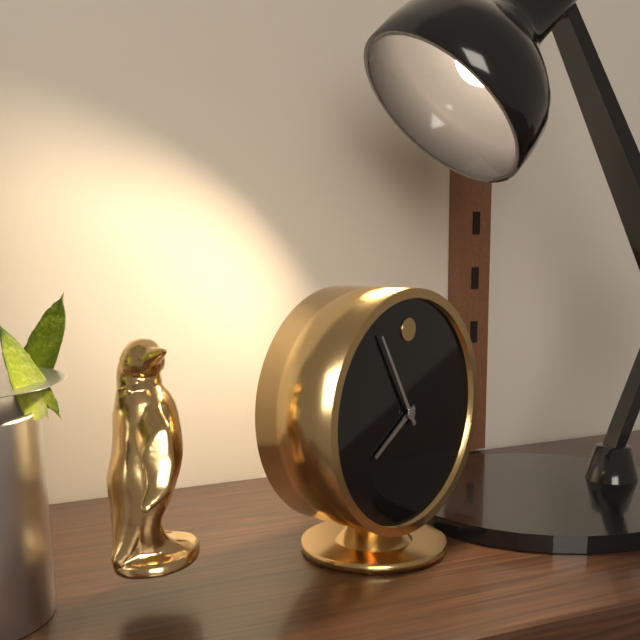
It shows 7:55
